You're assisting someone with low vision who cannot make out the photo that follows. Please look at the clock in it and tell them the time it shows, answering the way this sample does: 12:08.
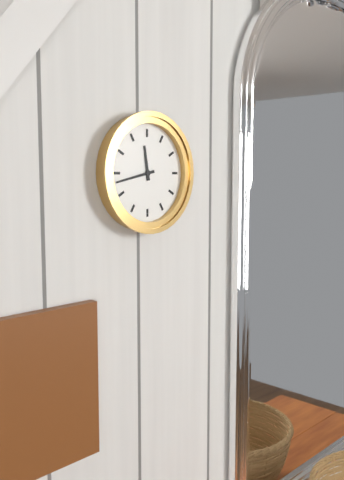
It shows 11:43
